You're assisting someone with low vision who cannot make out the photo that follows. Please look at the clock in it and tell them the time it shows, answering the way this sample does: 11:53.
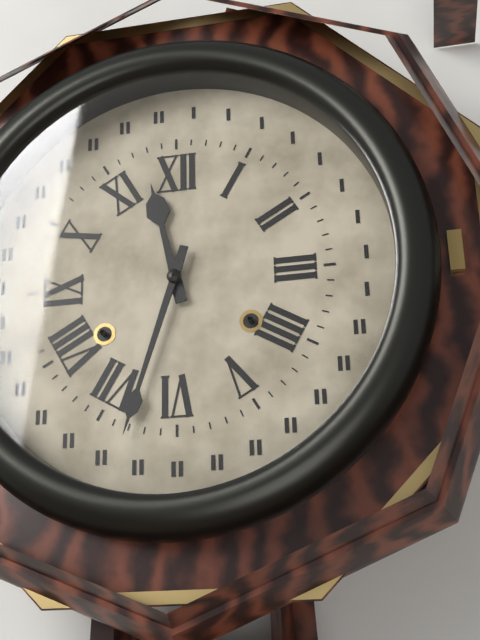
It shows 11:33
